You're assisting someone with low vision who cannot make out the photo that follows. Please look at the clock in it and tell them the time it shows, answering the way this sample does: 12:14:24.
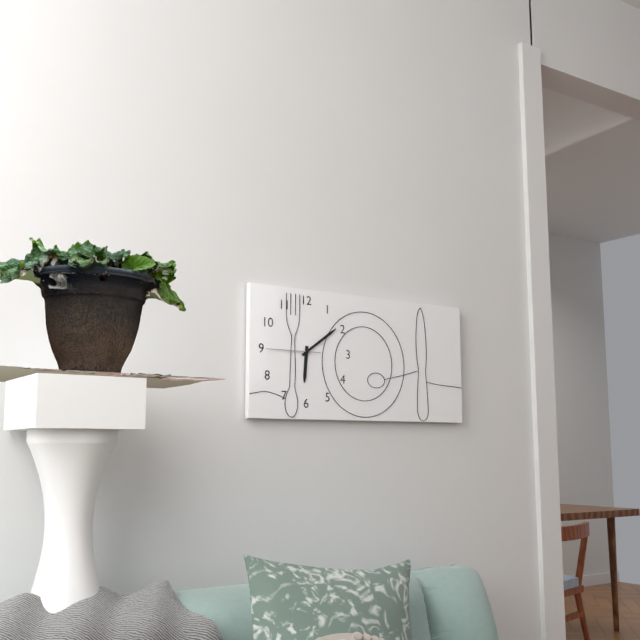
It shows 6:09:45
